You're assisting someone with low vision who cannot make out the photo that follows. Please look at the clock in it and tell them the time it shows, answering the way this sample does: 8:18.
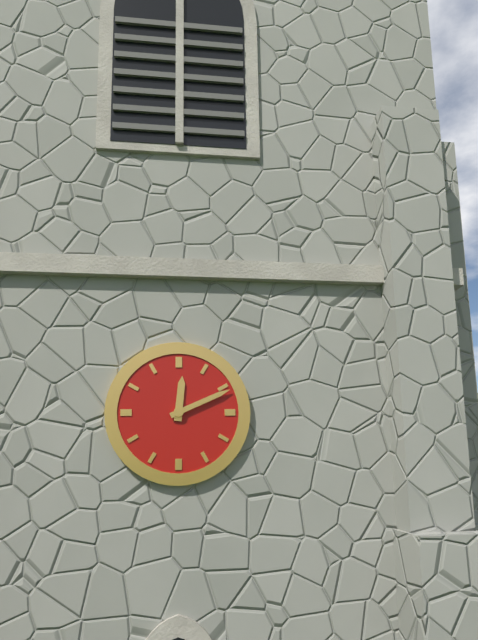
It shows 12:11
